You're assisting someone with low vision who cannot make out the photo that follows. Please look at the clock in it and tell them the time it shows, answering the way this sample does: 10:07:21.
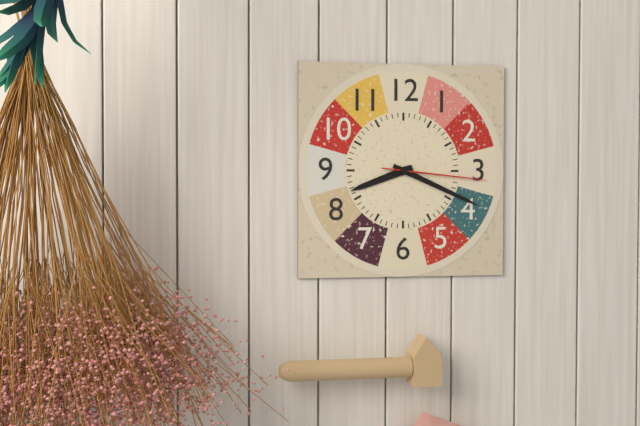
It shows 8:19:16
